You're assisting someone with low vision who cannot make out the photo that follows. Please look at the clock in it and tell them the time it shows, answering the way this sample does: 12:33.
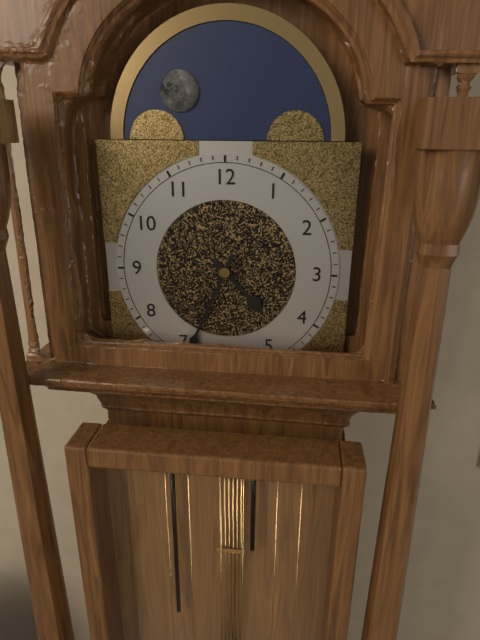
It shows 4:34
